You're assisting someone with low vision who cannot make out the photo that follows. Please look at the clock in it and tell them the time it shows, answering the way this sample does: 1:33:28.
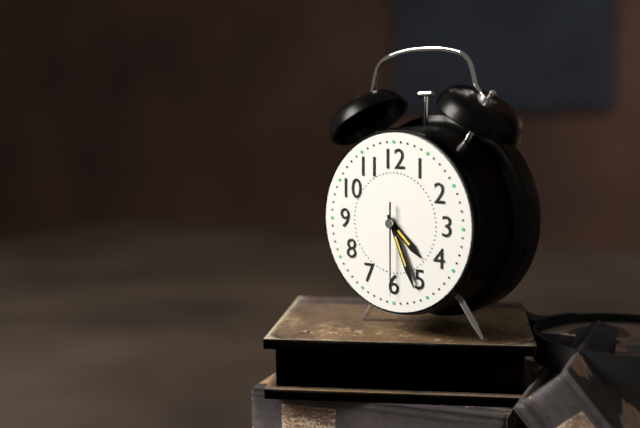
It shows 4:26:30
